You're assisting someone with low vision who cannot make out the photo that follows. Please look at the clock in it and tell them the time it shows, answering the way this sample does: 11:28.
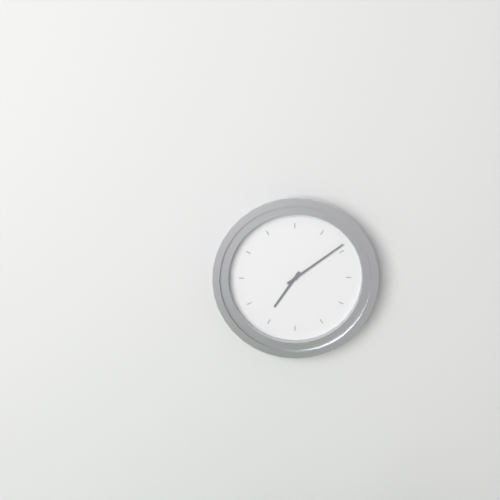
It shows 7:09
